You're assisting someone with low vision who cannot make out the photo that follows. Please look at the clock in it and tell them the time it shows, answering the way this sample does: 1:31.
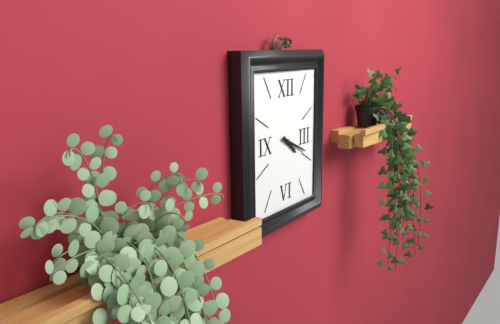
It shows 4:19
